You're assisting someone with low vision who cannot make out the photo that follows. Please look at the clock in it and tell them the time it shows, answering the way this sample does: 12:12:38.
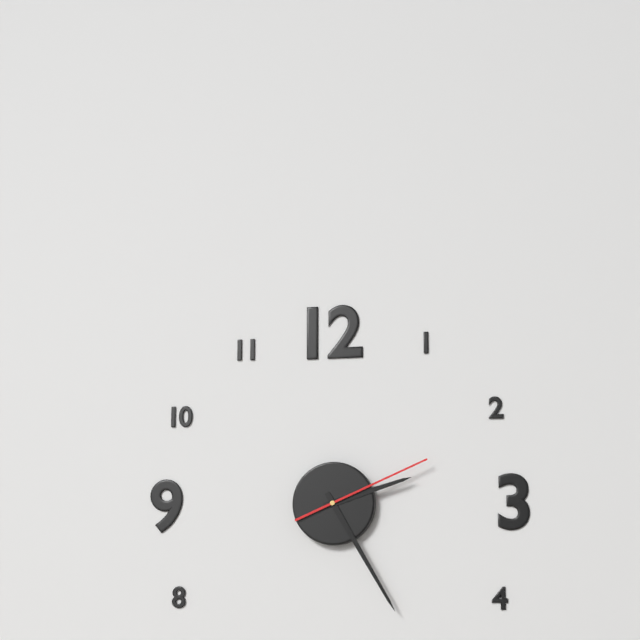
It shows 2:25:11
